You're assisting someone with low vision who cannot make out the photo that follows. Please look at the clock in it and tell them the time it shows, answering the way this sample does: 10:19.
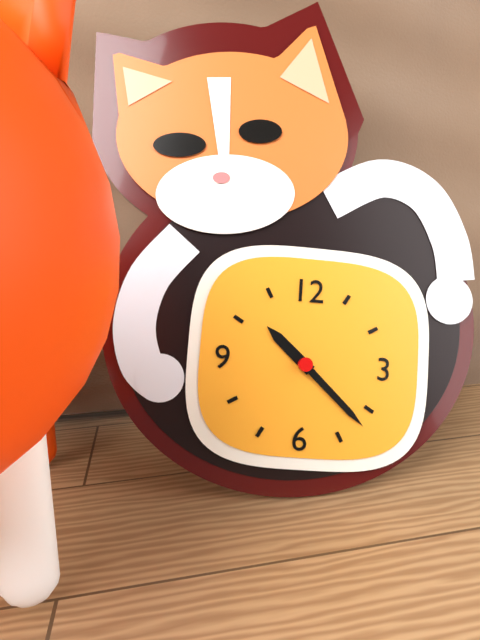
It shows 10:22
